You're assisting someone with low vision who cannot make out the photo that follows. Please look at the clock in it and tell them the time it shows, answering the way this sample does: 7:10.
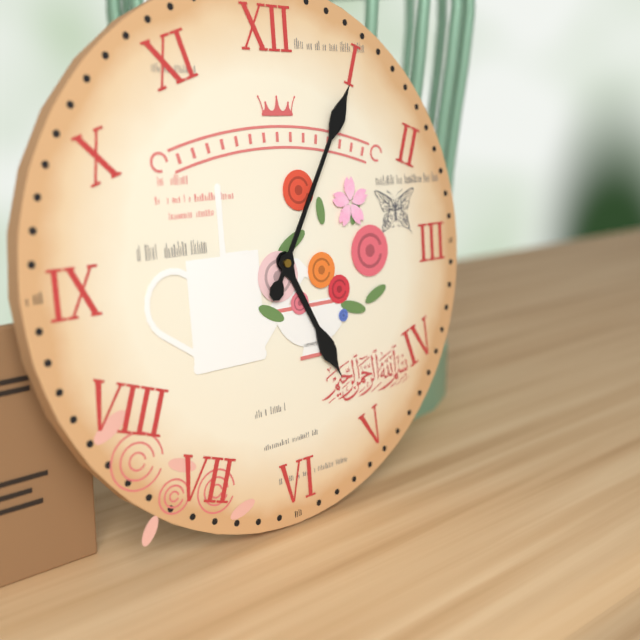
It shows 5:05
